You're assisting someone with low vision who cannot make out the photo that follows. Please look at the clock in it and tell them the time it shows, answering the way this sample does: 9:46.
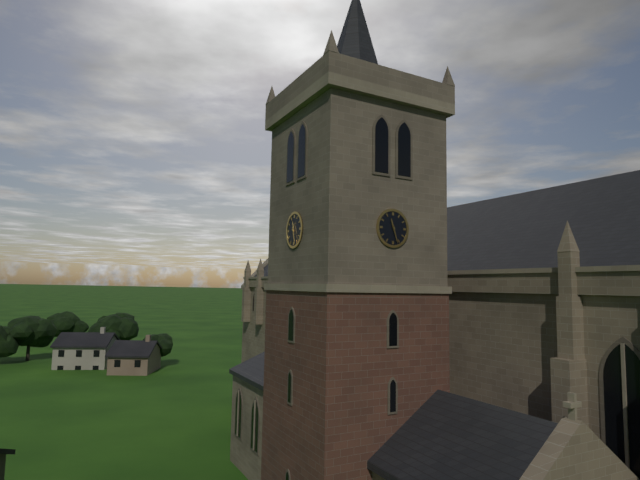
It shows 11:27
